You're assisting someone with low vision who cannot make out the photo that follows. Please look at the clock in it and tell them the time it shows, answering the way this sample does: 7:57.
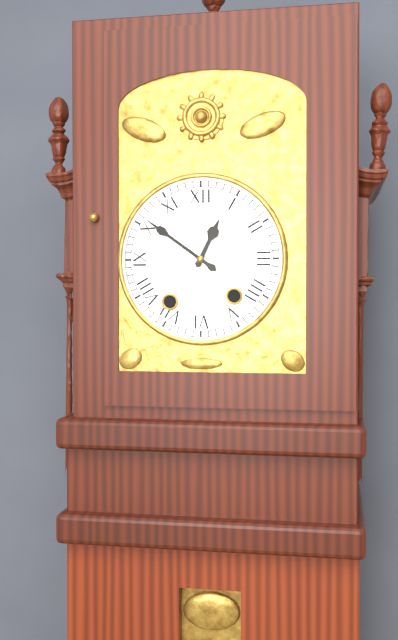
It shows 12:51
